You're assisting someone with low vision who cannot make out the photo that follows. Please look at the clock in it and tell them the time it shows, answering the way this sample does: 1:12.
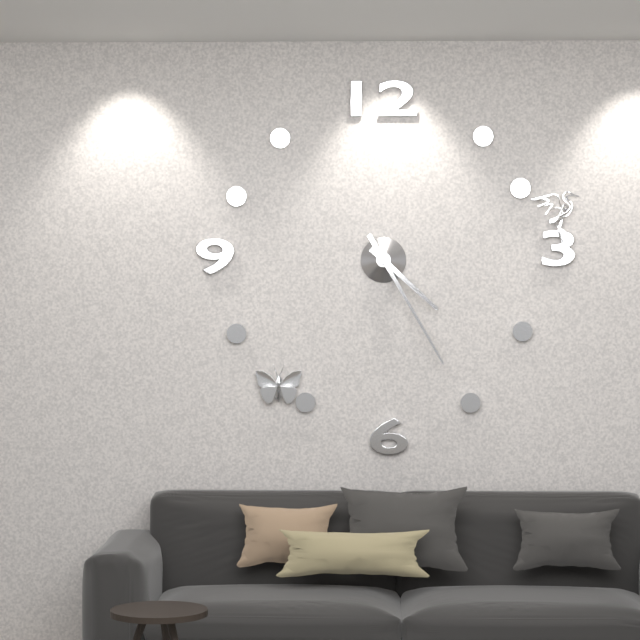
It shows 4:25
